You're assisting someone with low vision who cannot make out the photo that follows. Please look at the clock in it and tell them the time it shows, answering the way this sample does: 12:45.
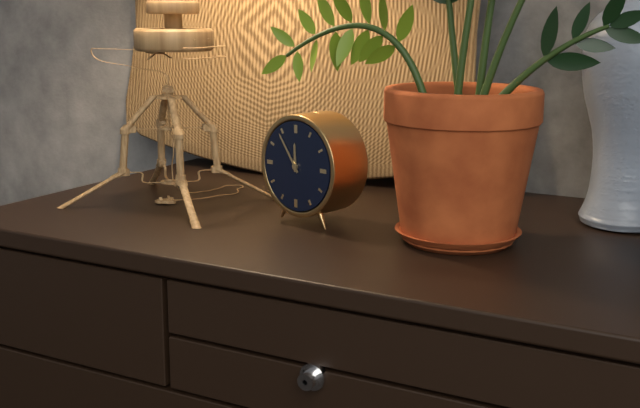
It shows 11:54
